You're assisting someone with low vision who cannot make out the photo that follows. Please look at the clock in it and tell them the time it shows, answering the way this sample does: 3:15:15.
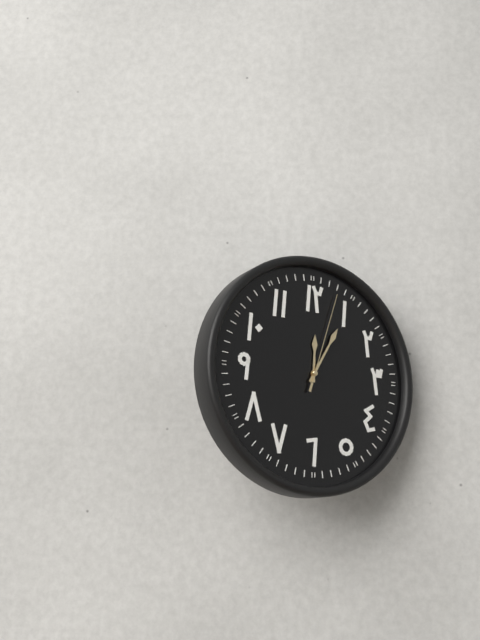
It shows 12:05:03
